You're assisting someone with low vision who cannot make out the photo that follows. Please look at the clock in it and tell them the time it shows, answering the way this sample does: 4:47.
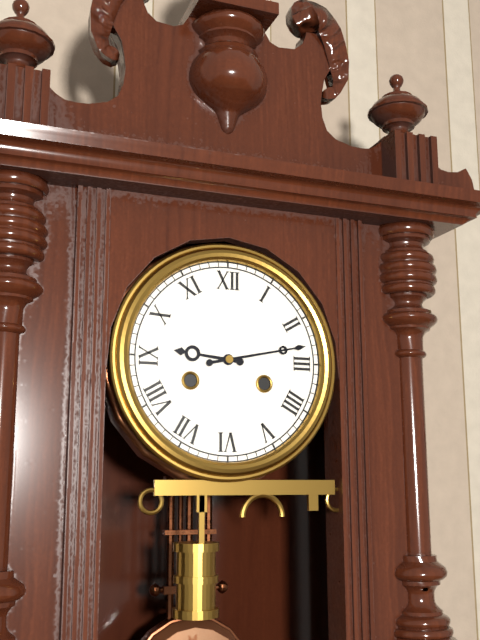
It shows 9:13
